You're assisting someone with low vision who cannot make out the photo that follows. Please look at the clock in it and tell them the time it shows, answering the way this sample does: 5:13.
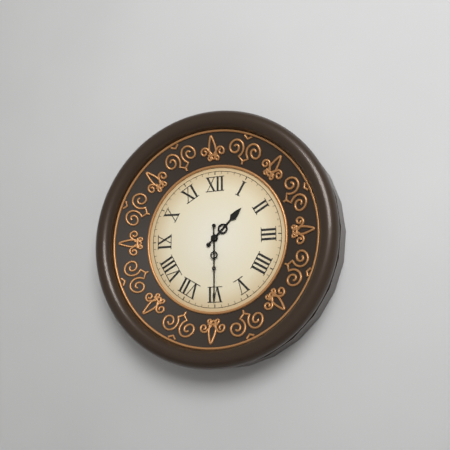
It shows 1:30
